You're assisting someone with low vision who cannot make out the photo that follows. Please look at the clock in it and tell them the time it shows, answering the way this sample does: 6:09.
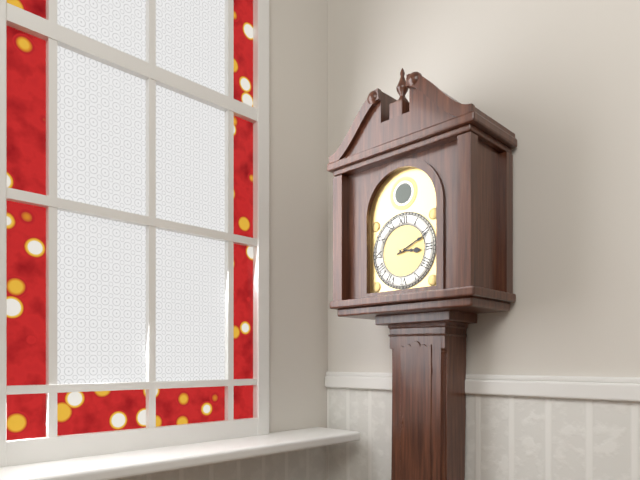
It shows 3:11
